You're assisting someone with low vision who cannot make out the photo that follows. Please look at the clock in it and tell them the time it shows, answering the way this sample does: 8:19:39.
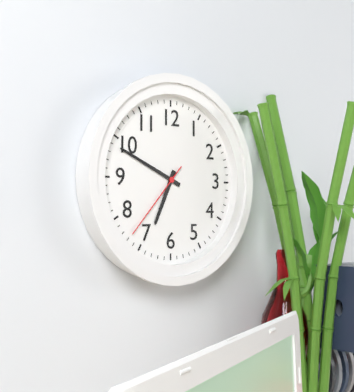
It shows 6:49:37
